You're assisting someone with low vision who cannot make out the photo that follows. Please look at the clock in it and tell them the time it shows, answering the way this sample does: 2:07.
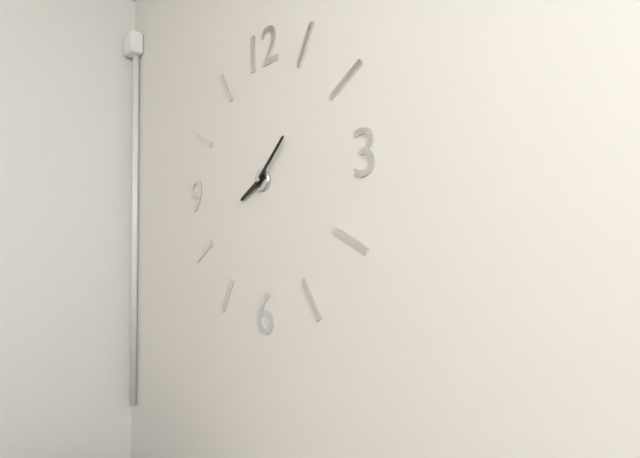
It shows 8:08
